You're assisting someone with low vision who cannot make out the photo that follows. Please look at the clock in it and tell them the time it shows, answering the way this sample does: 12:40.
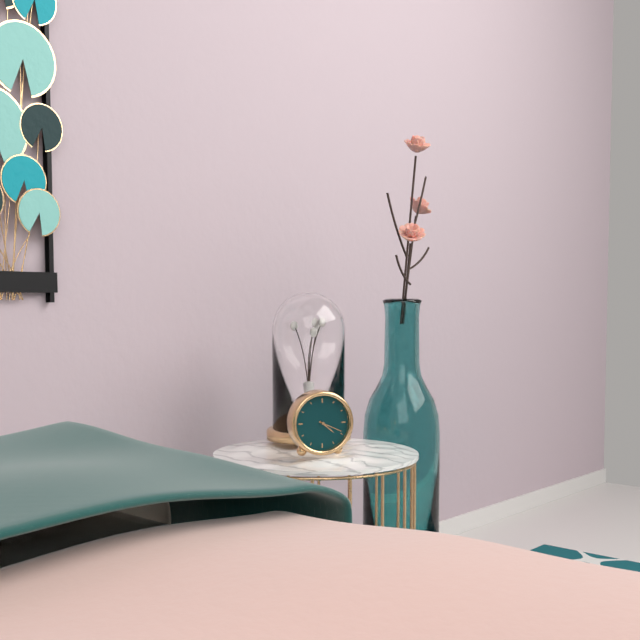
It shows 4:19
